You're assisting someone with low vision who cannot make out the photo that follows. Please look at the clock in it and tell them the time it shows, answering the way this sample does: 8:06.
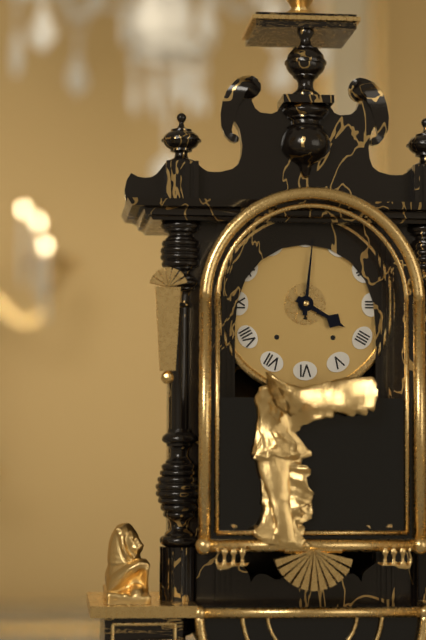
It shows 4:01
